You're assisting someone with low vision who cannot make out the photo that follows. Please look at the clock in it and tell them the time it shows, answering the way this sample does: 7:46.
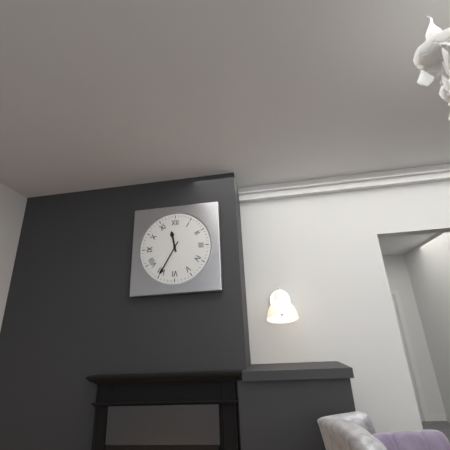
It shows 11:35
